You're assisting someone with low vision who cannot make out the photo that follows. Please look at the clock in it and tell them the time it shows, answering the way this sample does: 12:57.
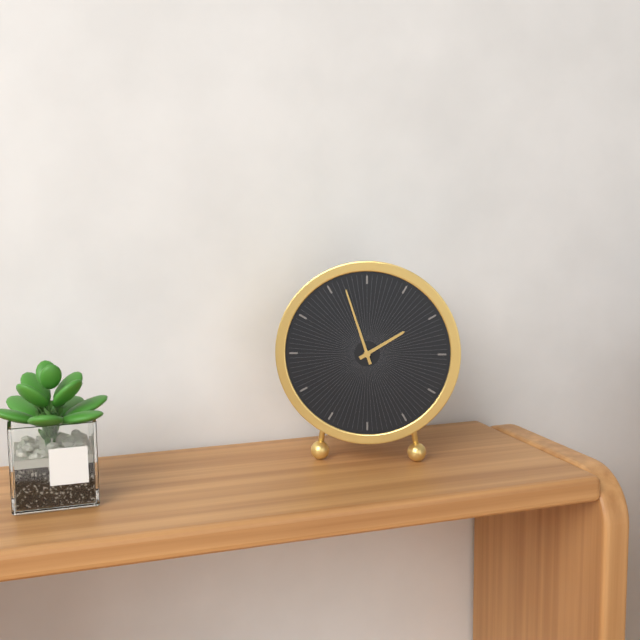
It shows 1:57
